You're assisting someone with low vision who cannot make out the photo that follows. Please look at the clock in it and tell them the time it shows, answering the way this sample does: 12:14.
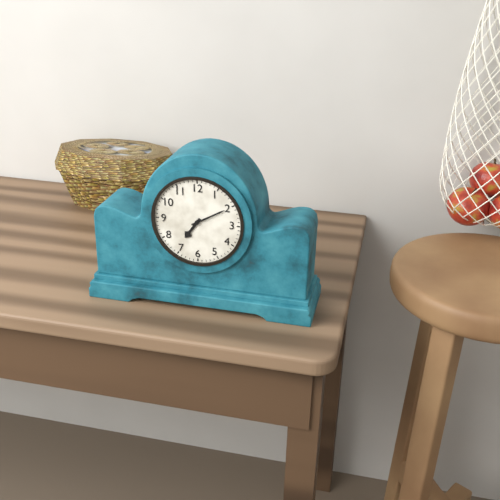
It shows 7:10
